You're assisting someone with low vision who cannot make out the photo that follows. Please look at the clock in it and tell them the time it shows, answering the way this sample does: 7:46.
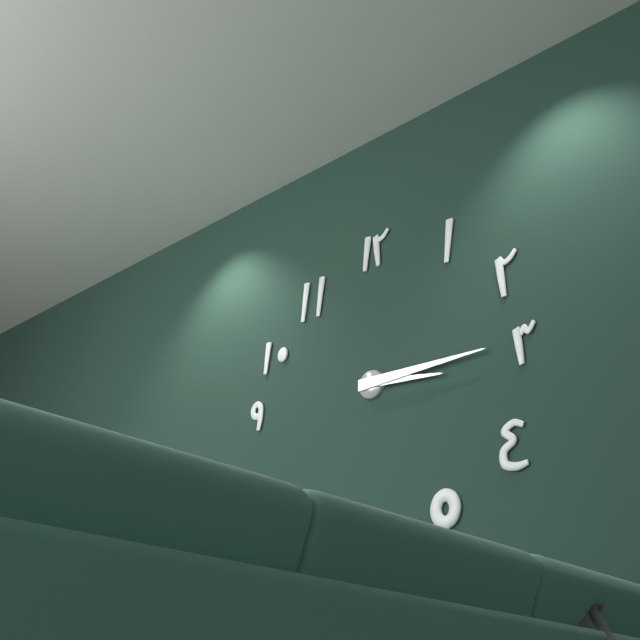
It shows 3:15
